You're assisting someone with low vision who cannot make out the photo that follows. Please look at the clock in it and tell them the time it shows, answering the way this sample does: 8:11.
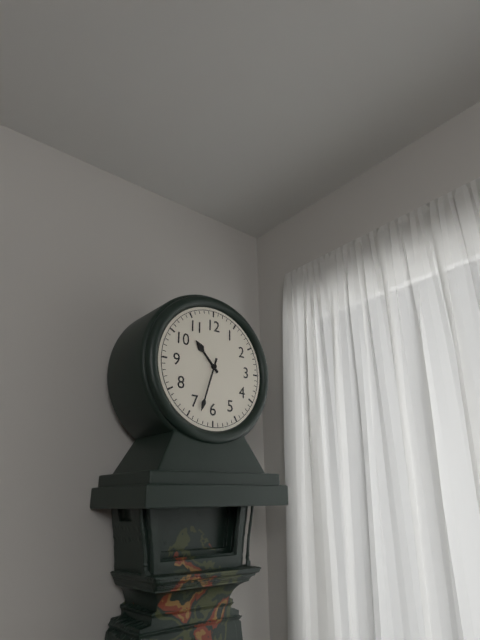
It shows 10:33
